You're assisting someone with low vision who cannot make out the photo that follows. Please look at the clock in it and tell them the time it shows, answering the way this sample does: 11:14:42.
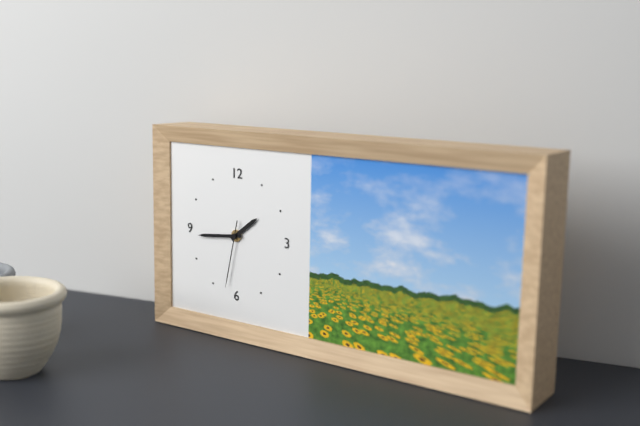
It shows 1:44:32
